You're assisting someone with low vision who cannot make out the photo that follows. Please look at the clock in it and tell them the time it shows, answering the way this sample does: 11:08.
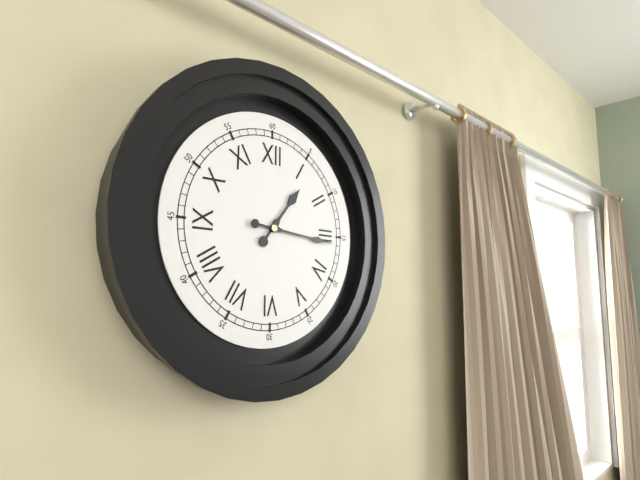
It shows 1:16
